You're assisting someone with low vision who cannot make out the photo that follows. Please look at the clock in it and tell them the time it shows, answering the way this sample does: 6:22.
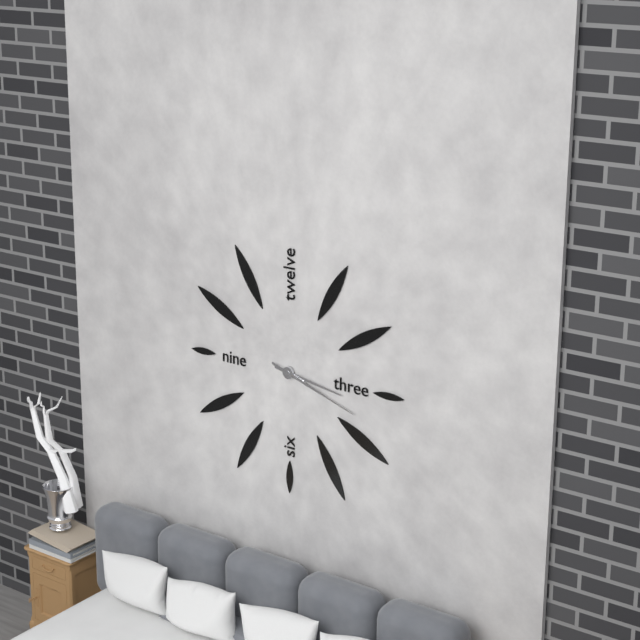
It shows 3:18
